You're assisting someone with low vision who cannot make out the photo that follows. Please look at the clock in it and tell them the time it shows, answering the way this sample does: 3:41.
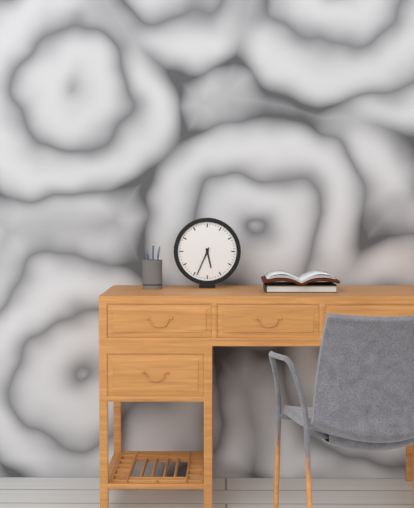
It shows 5:34
